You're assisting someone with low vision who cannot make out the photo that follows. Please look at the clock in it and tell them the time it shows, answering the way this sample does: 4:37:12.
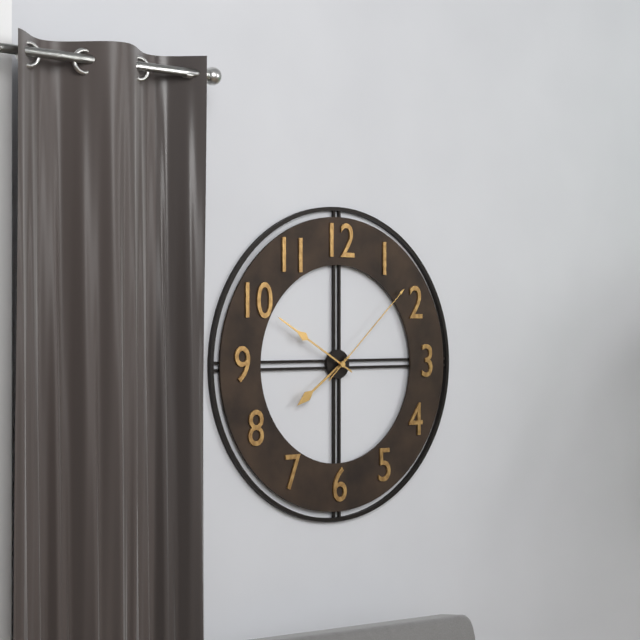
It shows 7:50:08
